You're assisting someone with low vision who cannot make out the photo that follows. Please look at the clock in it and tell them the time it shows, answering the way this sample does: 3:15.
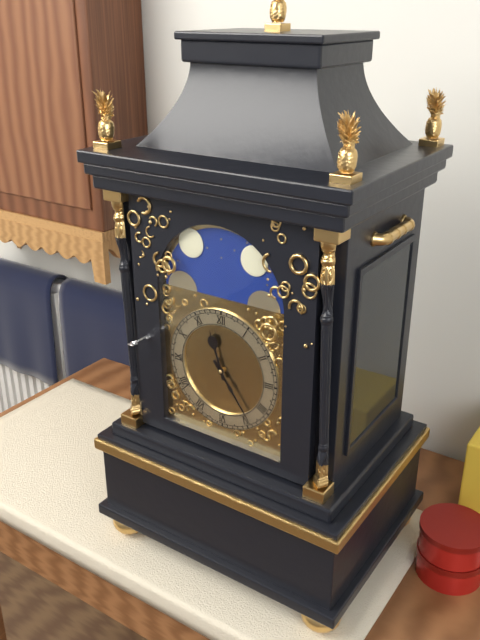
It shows 11:24
